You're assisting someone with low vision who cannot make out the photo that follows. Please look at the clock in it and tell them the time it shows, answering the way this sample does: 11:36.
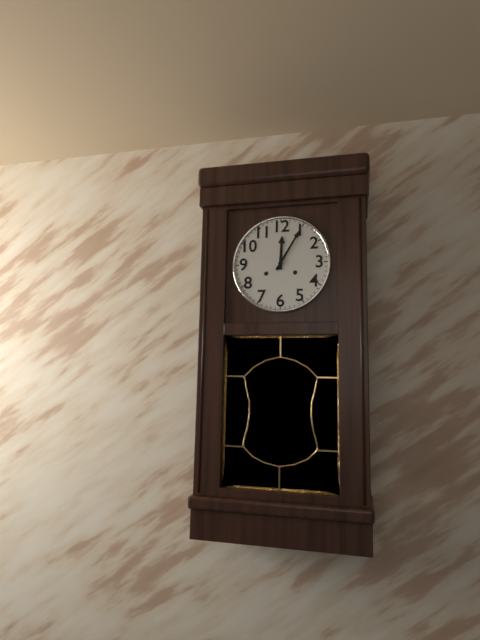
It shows 12:05
